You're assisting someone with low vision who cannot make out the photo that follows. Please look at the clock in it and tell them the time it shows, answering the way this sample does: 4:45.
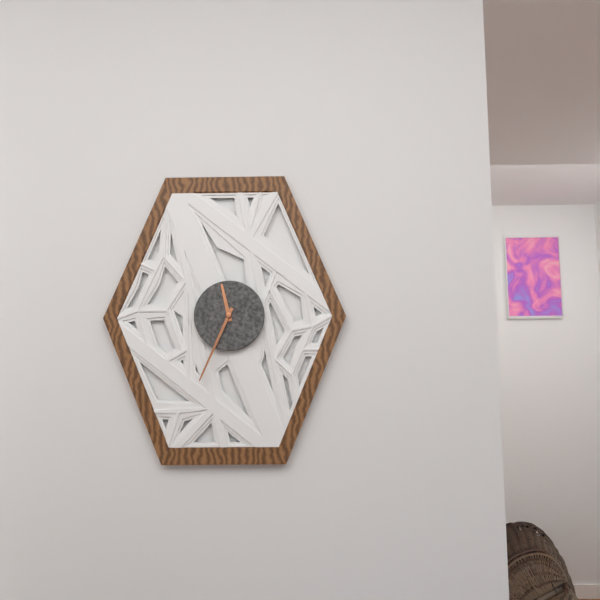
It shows 11:34
